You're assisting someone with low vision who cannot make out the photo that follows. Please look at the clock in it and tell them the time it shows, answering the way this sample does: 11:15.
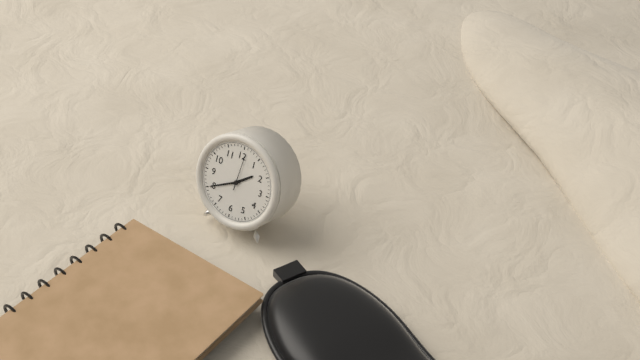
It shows 1:40
